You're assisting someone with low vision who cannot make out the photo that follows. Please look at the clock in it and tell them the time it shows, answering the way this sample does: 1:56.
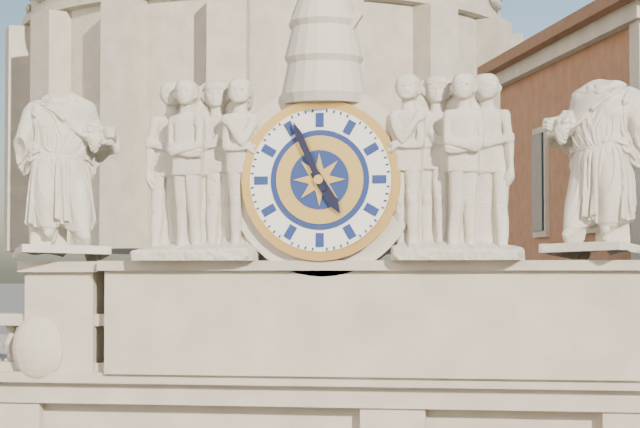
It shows 4:56
